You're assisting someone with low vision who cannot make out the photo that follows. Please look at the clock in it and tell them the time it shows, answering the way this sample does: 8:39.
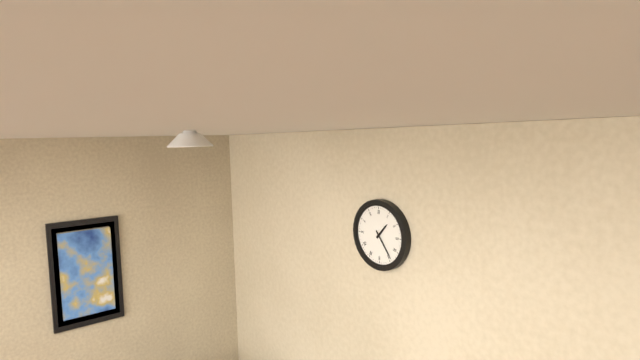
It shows 1:24
